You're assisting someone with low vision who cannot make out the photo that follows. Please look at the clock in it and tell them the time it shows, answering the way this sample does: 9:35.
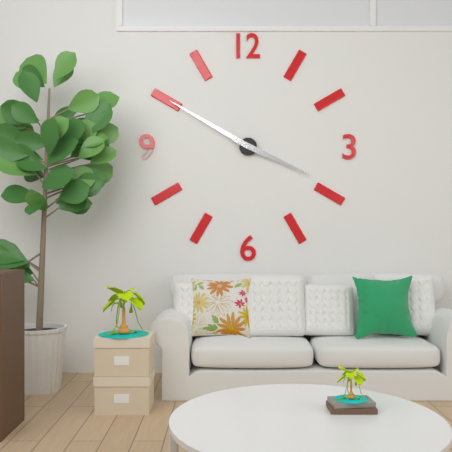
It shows 3:50
